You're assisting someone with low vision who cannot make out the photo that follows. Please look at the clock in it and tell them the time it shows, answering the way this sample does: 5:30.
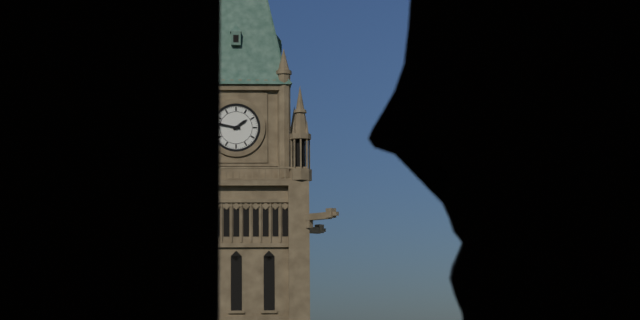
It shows 1:47
